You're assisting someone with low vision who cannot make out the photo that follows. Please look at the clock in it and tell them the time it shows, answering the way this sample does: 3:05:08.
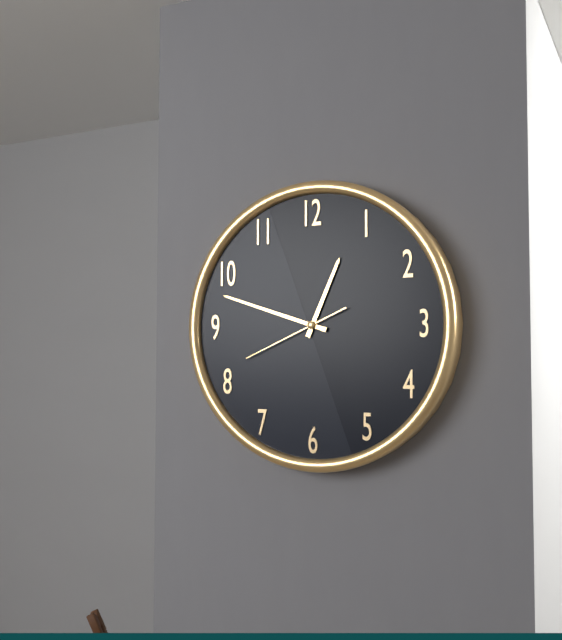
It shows 12:48:41
